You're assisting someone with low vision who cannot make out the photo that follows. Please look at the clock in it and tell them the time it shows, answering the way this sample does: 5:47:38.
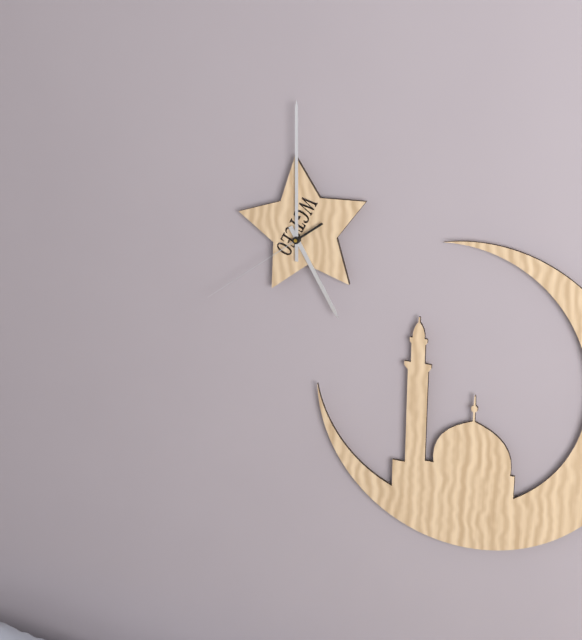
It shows 5:00:39
